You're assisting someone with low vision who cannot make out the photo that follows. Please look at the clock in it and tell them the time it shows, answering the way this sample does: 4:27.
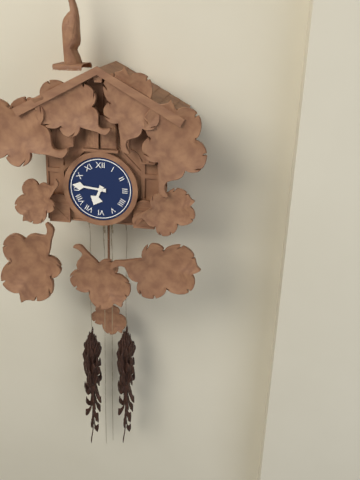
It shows 6:46
